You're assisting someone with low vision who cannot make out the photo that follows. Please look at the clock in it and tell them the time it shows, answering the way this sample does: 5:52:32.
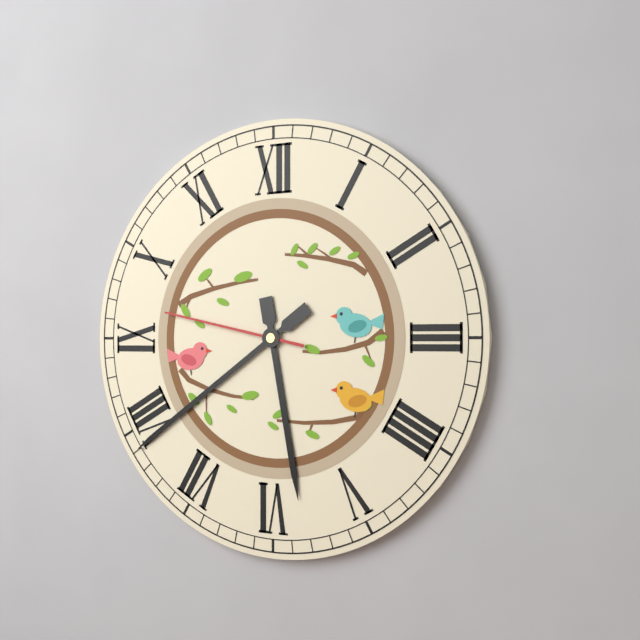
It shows 5:39:47
